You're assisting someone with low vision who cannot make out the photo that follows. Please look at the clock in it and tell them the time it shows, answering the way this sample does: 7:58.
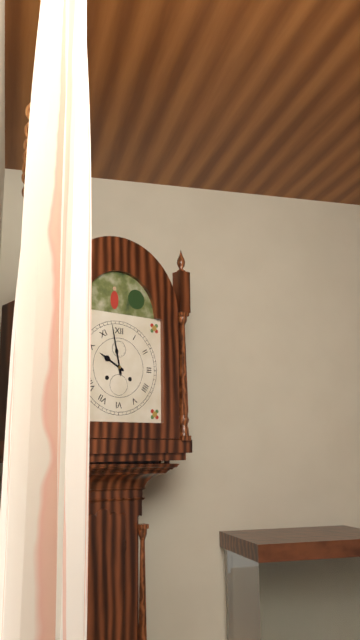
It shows 9:58
